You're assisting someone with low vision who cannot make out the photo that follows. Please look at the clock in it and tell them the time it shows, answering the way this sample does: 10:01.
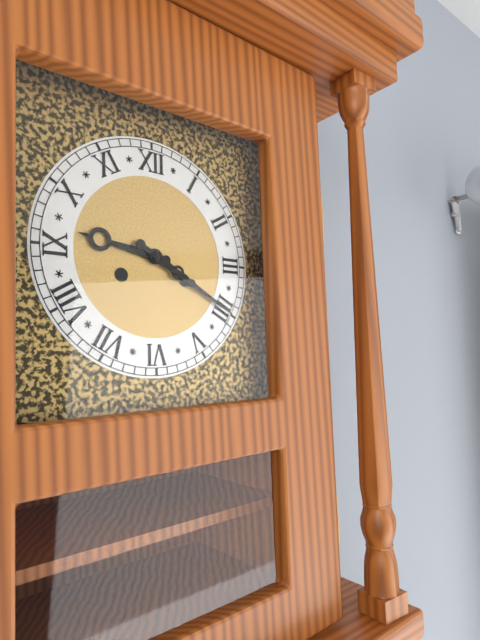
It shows 9:20
